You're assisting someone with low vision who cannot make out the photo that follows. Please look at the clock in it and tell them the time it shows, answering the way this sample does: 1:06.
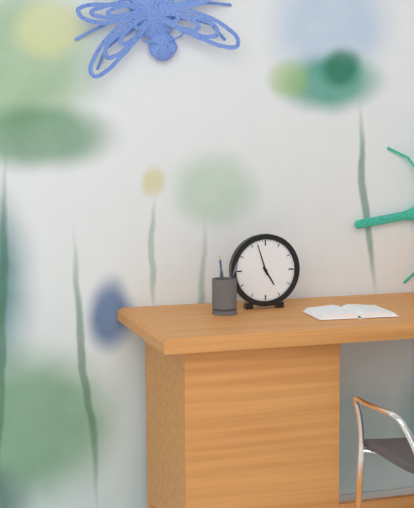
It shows 4:57
